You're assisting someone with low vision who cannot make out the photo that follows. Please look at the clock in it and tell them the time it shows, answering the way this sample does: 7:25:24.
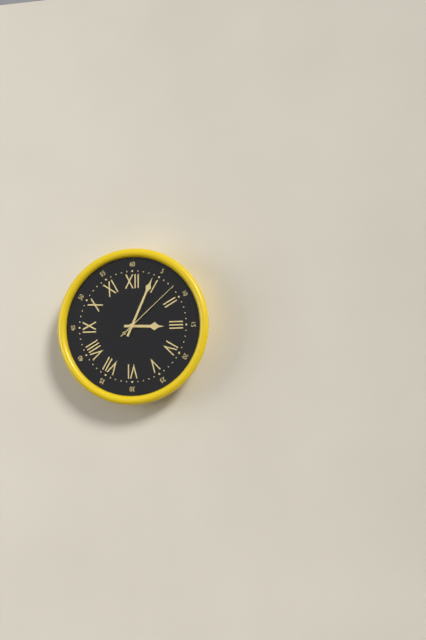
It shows 3:04:08
